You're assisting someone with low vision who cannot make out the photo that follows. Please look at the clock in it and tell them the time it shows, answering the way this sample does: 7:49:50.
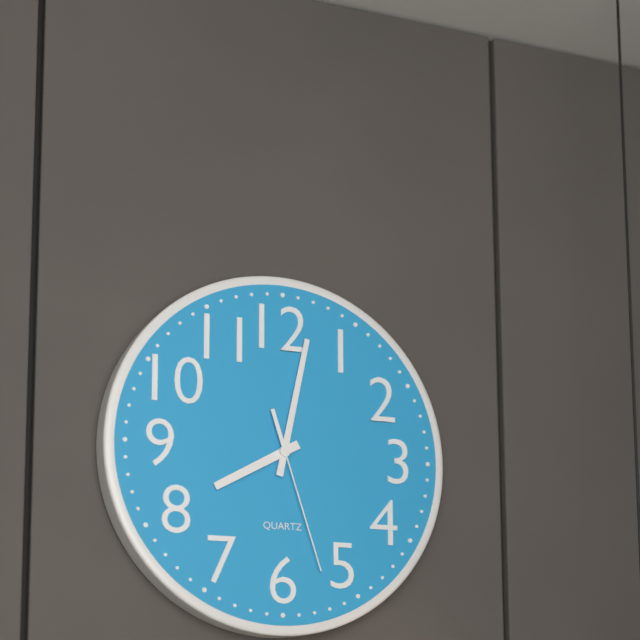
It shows 8:02:27
